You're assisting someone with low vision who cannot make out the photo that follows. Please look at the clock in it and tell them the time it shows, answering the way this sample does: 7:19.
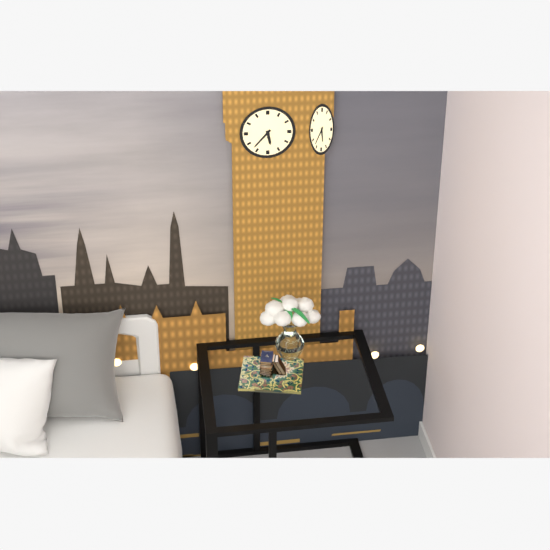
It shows 5:37
